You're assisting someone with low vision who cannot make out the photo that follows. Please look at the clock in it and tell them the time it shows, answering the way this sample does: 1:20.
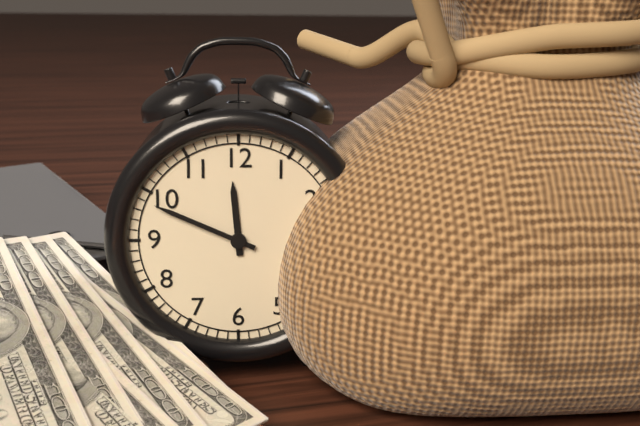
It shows 11:49
